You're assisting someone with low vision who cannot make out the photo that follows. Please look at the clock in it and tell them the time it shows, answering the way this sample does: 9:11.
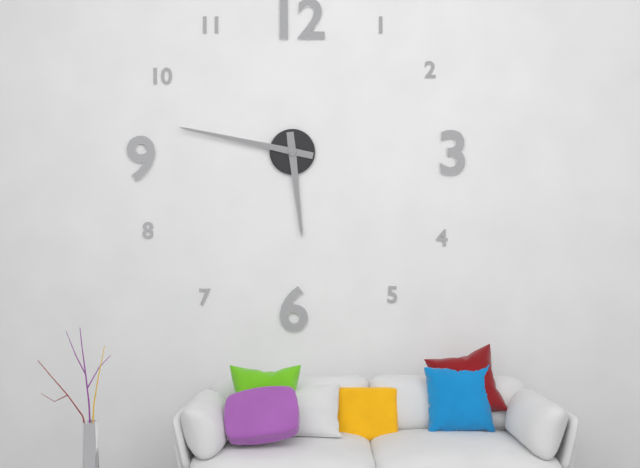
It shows 5:47
